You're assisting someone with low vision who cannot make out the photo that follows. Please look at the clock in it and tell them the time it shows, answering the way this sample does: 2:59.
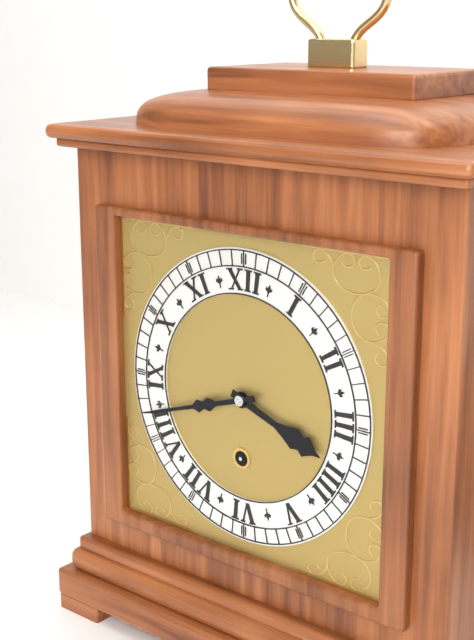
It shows 3:42
